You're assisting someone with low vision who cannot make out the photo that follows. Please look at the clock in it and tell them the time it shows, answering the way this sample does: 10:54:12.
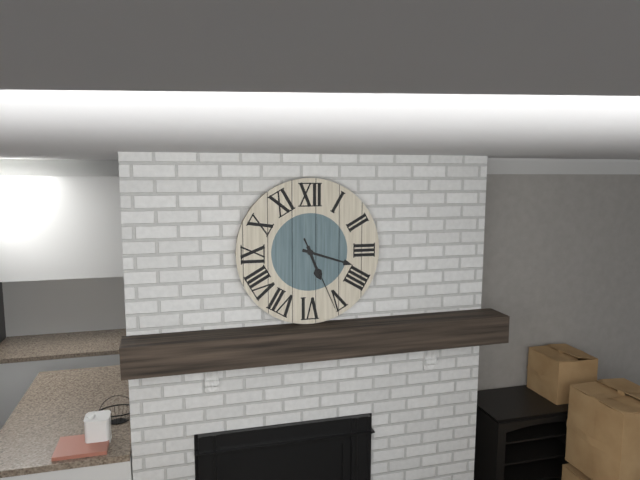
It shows 5:18:26
